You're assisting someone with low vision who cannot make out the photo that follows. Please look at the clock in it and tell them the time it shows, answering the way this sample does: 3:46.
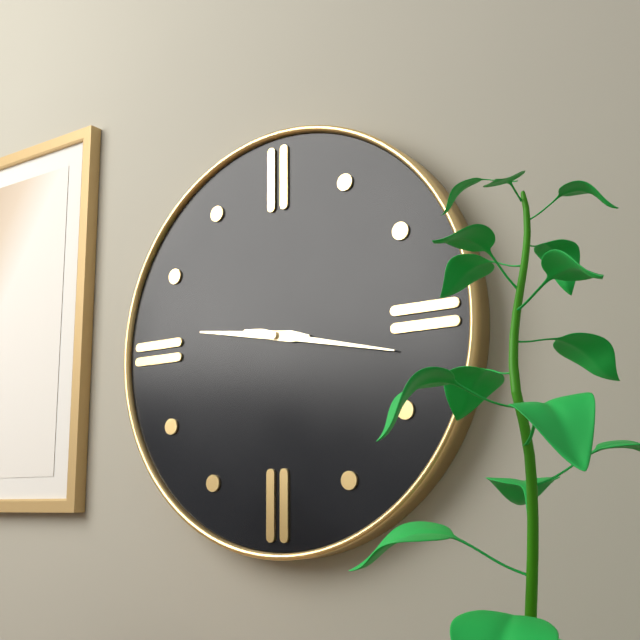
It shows 9:17
